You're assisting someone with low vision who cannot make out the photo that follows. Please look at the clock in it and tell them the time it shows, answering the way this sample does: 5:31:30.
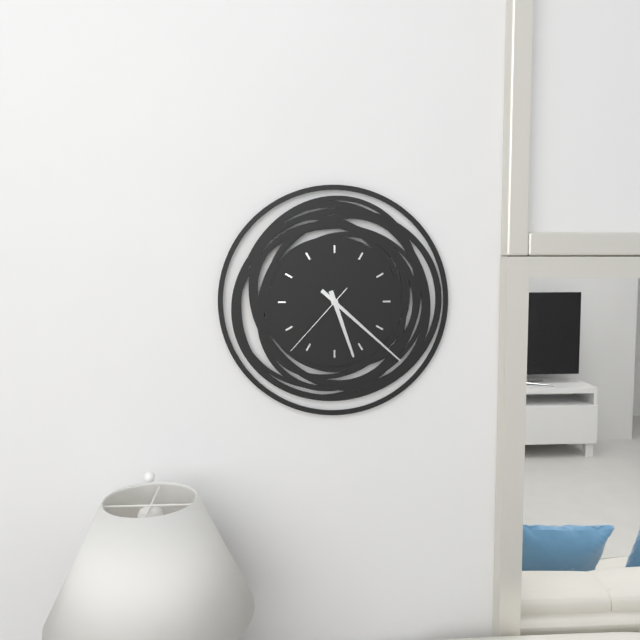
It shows 5:22:37
